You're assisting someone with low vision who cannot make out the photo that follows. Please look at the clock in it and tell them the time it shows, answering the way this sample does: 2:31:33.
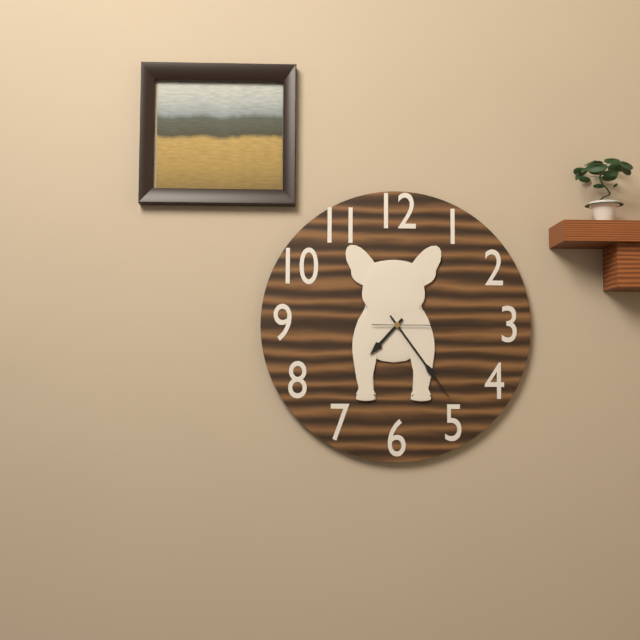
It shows 7:24:15
